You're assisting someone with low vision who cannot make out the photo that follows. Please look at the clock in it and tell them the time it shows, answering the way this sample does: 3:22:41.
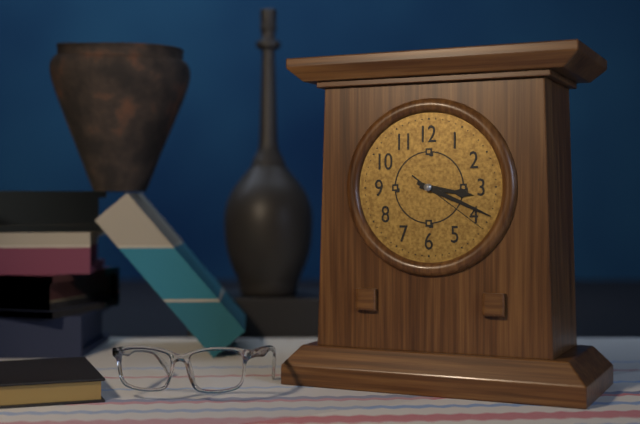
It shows 3:19:21
